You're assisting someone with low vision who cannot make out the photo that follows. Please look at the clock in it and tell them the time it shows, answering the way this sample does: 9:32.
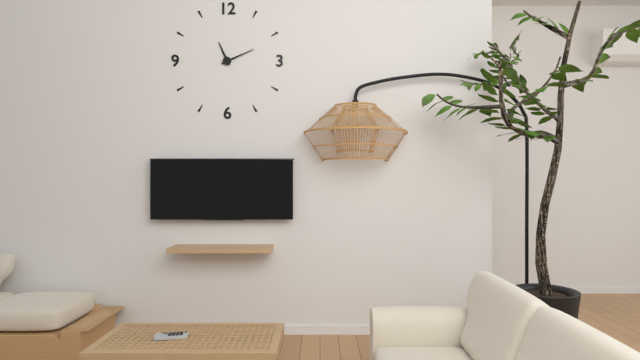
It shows 11:11
